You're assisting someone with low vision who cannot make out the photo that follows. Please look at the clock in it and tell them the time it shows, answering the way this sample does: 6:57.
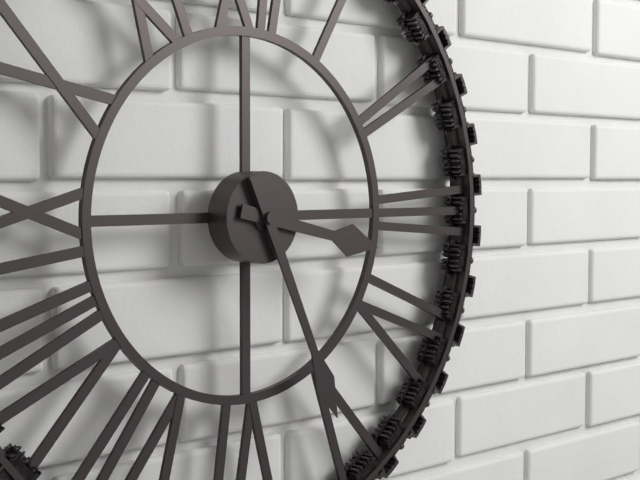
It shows 3:26
